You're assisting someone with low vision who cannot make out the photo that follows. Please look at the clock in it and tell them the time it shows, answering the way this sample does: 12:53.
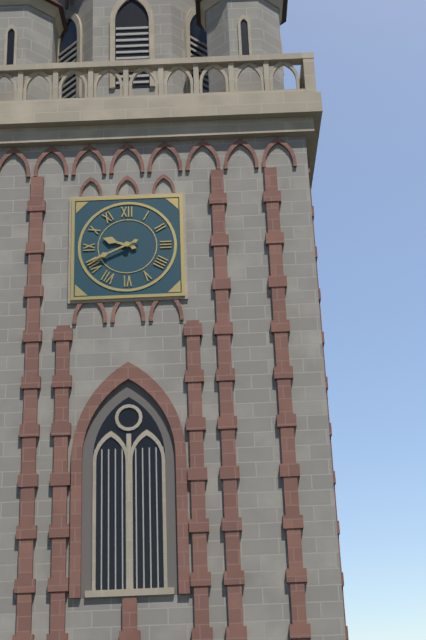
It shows 9:41
